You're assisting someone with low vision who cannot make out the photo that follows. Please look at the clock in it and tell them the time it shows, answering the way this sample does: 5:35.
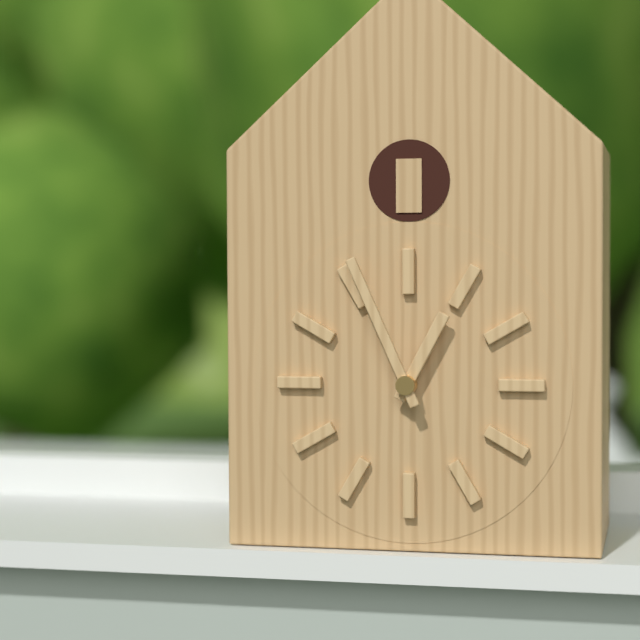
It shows 12:56
